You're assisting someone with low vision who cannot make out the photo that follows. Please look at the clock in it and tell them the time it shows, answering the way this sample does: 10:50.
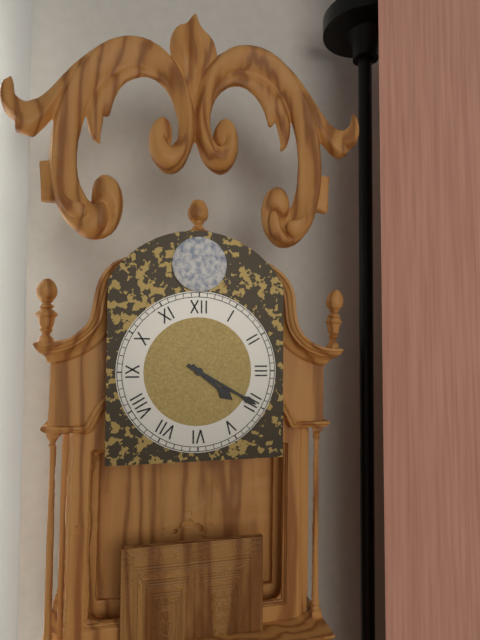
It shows 4:20
